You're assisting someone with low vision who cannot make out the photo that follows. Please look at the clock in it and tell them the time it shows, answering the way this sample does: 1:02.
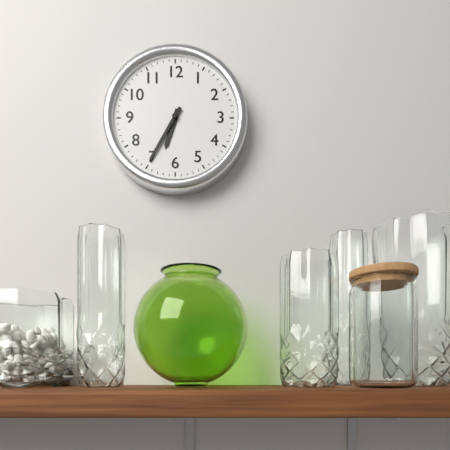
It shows 6:35
